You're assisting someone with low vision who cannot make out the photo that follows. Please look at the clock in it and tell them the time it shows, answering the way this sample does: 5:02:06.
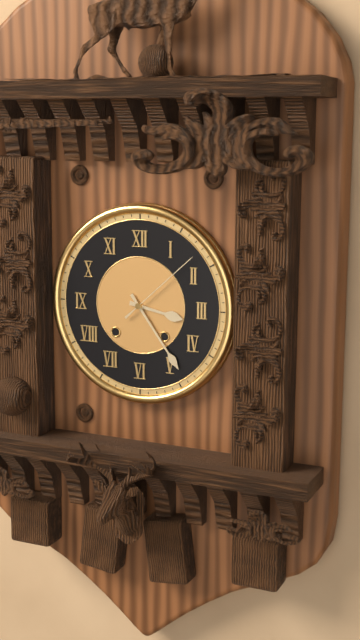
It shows 3:24:08
